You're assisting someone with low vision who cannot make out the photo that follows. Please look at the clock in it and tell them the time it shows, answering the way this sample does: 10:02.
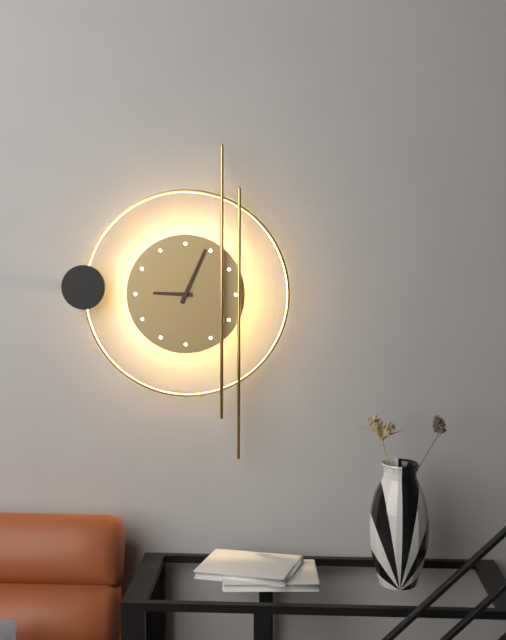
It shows 9:04
